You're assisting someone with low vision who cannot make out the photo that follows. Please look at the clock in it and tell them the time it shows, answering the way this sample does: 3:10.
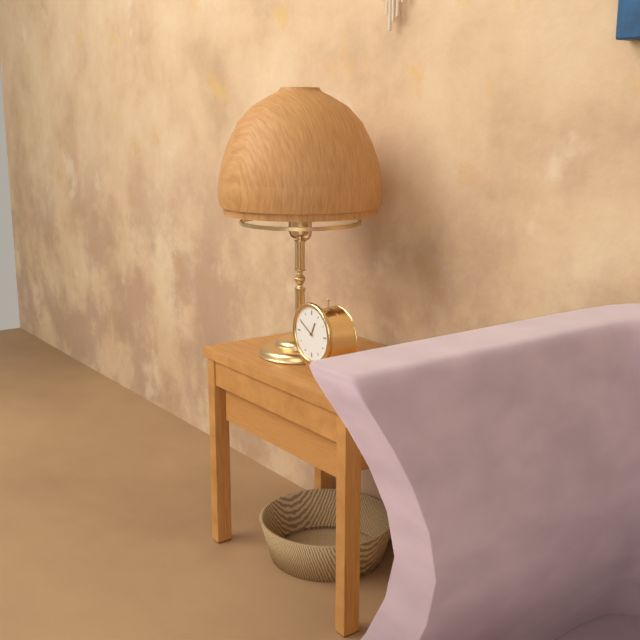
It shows 12:50
